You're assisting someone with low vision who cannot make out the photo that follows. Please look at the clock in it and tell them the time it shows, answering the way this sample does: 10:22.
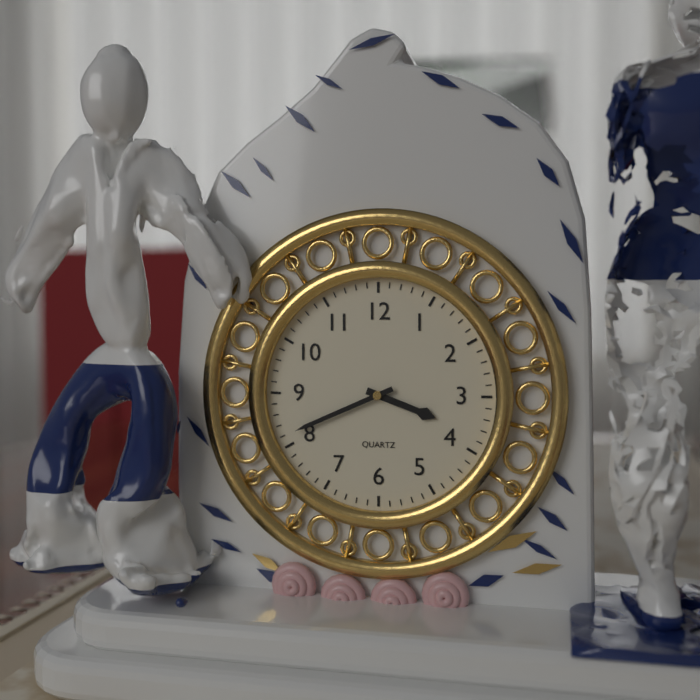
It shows 3:41
